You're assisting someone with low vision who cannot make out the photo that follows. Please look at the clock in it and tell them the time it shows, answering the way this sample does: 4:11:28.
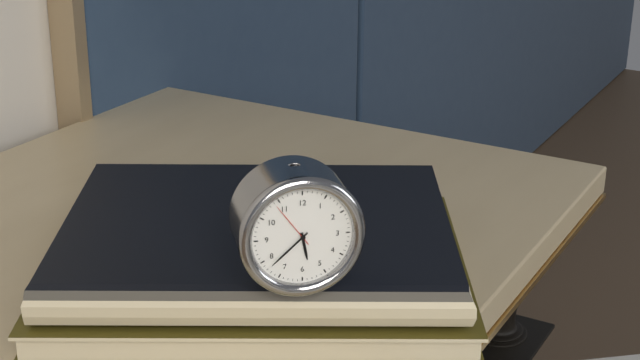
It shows 5:38:54
